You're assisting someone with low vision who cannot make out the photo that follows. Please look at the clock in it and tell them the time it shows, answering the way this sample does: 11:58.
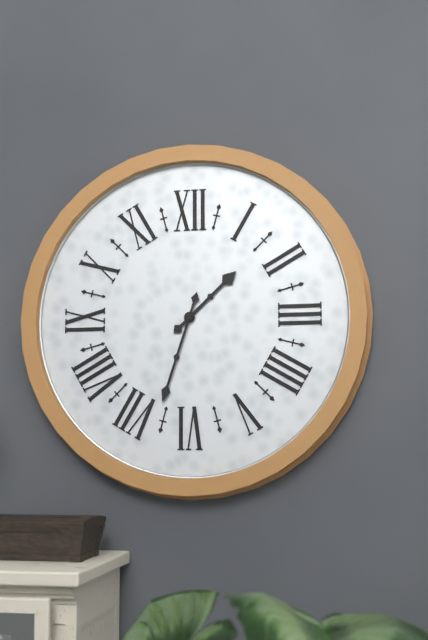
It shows 1:33
